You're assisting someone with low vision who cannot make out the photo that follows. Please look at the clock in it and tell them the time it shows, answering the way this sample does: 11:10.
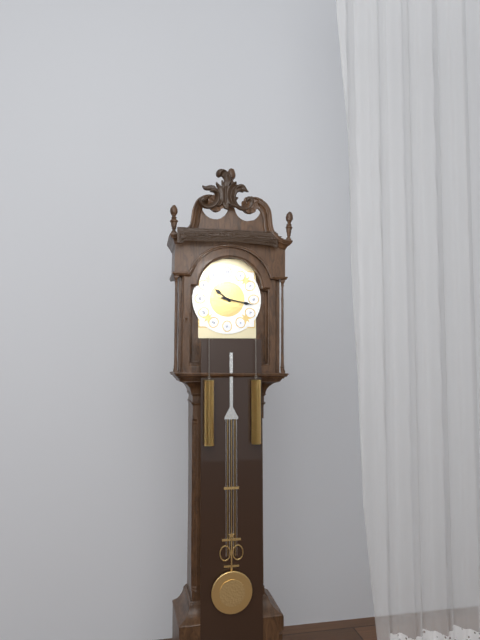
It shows 10:17
